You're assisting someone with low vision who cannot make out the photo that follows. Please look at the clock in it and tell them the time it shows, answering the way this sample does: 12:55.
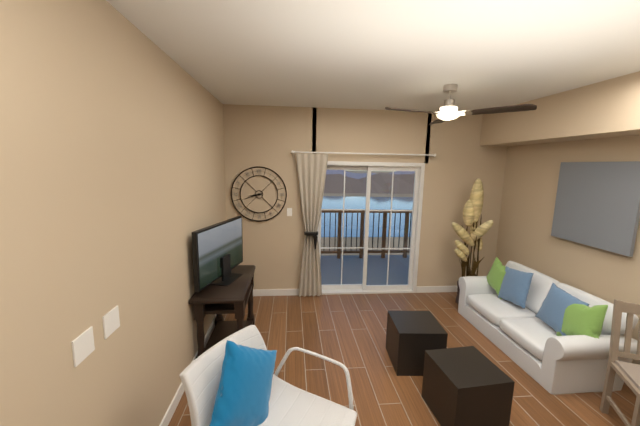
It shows 8:42
